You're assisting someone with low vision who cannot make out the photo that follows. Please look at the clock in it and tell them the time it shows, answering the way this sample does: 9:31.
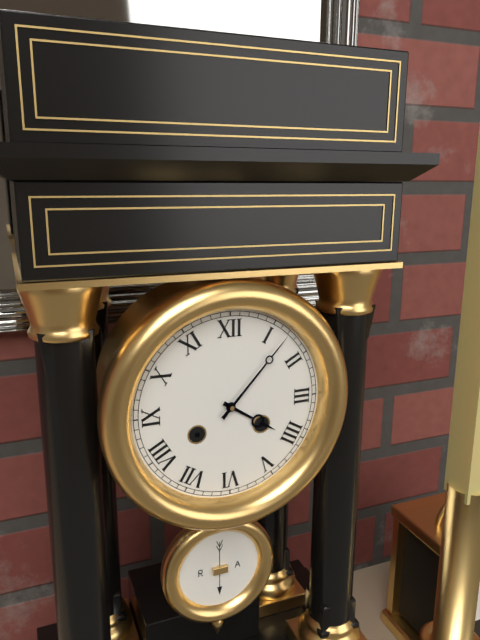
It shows 4:07
